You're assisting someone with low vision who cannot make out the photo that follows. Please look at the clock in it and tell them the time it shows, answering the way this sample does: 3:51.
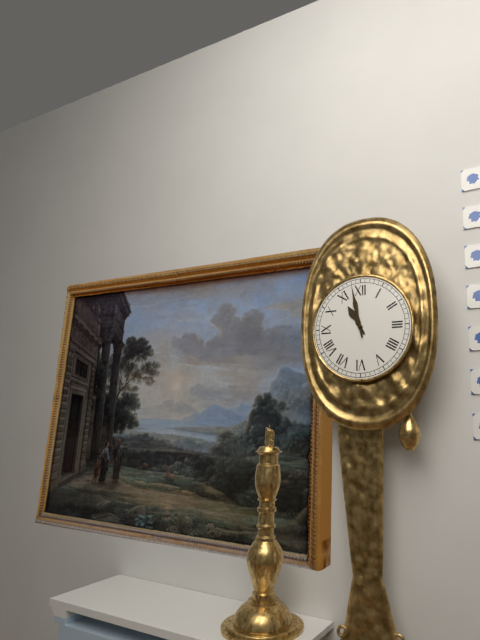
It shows 10:58
